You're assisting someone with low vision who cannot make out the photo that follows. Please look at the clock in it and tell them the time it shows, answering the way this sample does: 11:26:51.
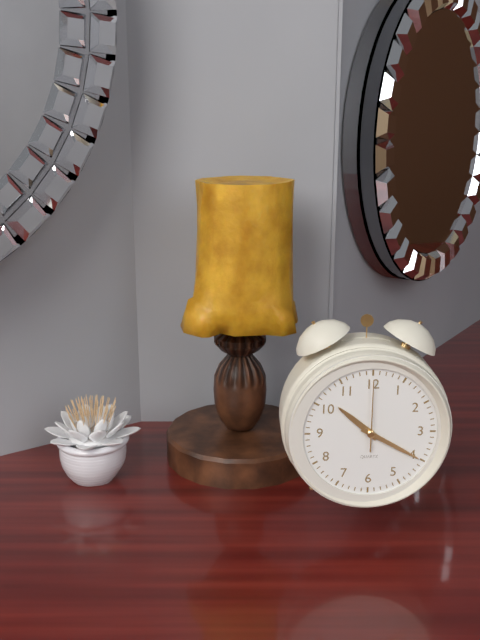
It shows 10:20:00
